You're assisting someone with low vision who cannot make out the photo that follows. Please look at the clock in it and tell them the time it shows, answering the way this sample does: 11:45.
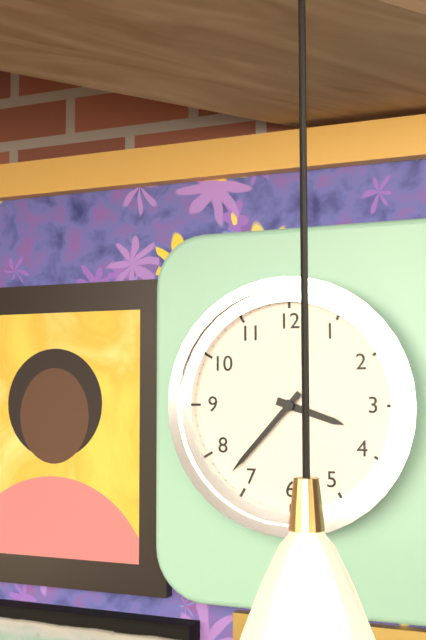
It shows 3:37
